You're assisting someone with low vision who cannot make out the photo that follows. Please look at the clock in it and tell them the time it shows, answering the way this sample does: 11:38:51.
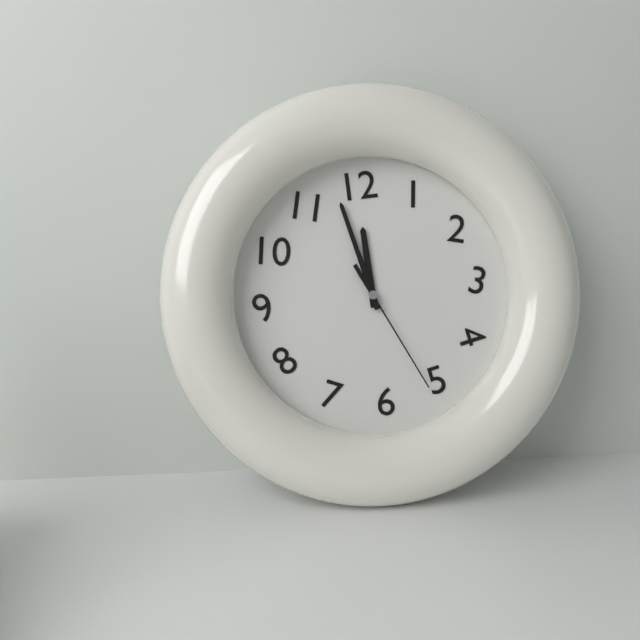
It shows 11:58:26
